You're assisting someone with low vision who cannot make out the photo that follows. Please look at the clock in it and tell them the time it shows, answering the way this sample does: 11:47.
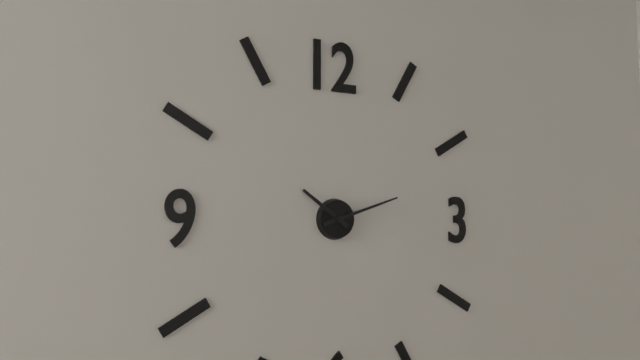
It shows 10:12
